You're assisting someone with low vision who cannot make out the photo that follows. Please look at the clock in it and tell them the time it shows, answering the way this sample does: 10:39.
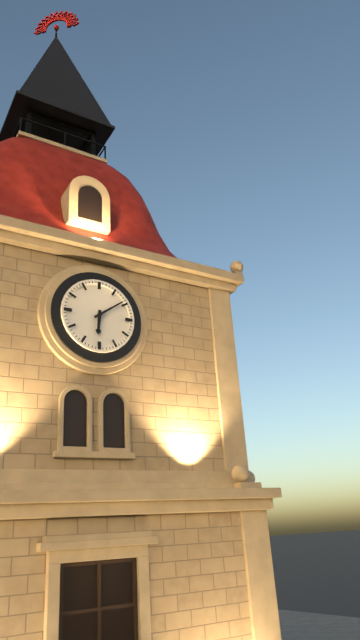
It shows 6:09
